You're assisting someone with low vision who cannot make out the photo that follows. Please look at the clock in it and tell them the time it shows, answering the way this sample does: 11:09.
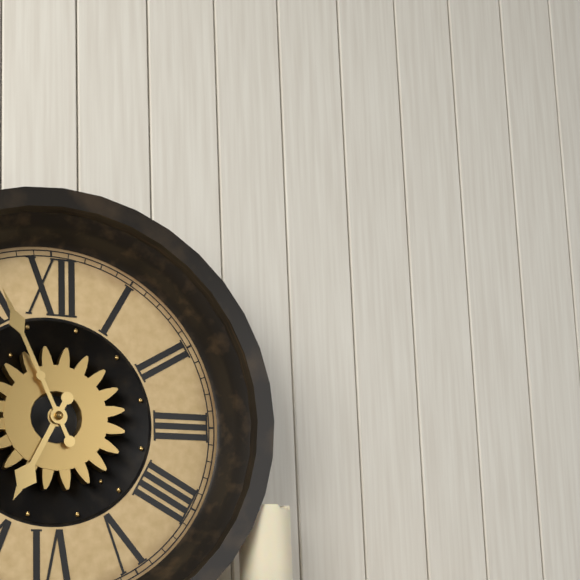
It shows 6:56
